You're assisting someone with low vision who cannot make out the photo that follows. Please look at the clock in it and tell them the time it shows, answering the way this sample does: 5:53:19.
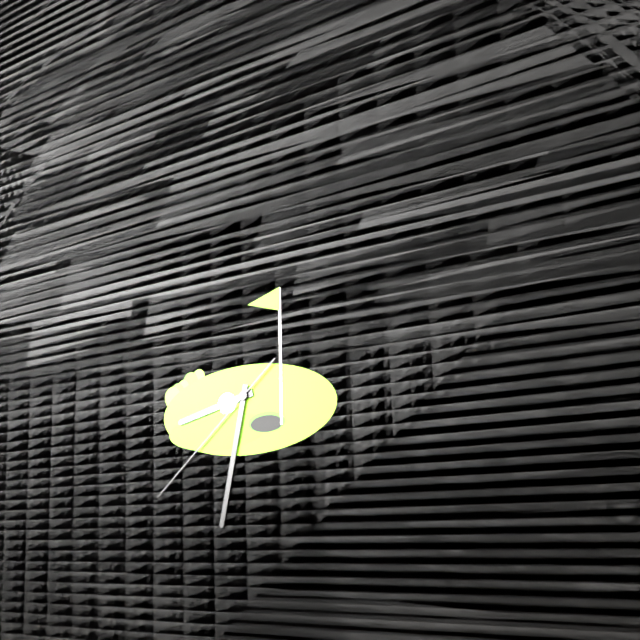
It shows 8:32:38
